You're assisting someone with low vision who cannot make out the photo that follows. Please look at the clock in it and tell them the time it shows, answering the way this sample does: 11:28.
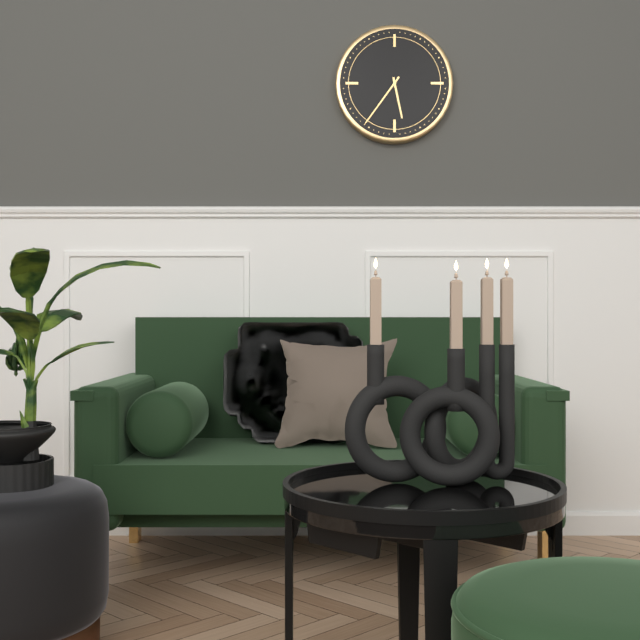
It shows 5:36
